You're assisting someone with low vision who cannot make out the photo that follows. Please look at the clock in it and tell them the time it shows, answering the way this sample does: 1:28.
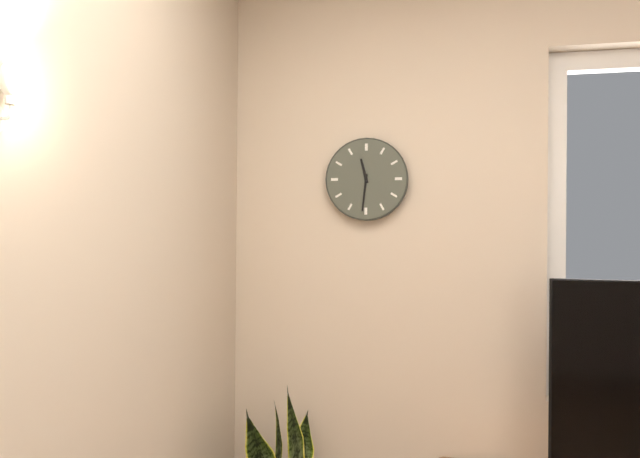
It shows 11:31
